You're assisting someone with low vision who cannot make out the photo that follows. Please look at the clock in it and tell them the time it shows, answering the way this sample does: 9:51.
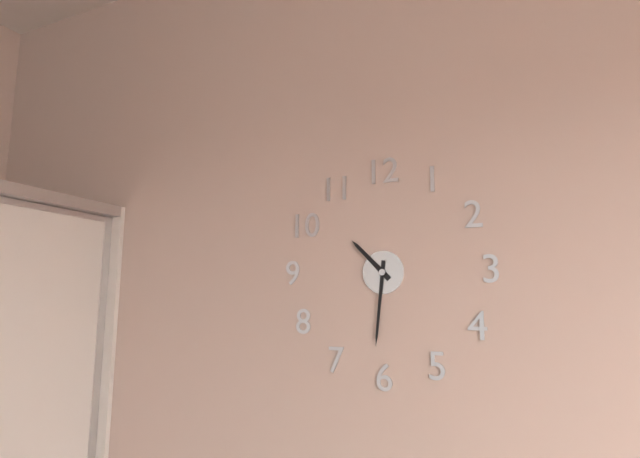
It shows 10:31
